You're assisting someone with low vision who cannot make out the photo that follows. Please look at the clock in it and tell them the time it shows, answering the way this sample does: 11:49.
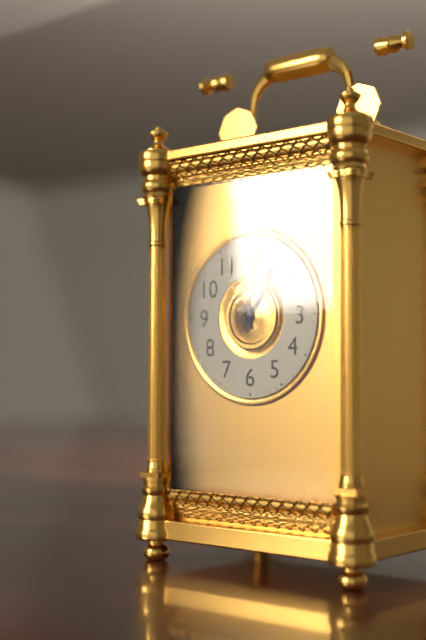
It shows 1:01
